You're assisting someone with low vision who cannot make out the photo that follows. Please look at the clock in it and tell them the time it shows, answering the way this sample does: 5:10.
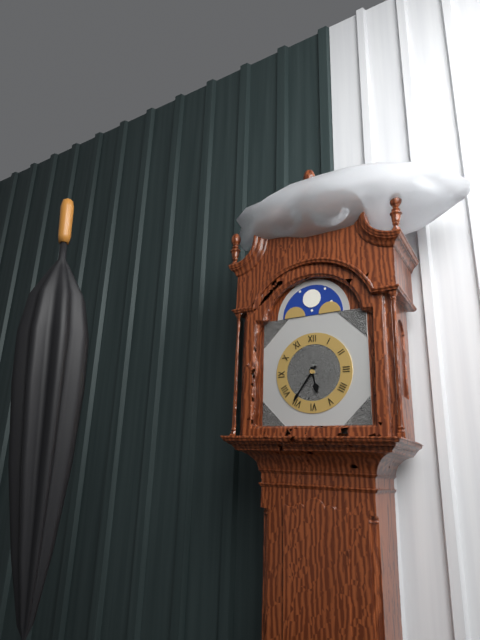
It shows 5:36
